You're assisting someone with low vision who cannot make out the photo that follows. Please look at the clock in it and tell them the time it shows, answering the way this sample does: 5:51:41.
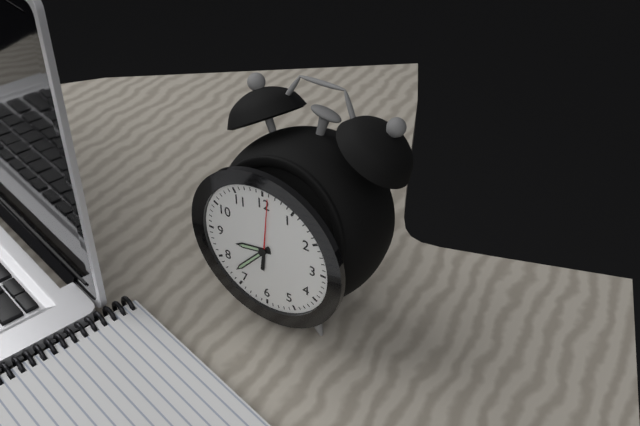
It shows 8:37:01
